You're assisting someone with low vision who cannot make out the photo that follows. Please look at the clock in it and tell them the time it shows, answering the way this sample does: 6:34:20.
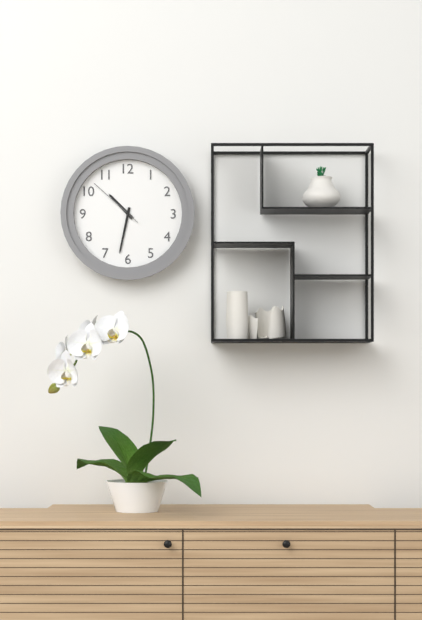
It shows 10:32:52
